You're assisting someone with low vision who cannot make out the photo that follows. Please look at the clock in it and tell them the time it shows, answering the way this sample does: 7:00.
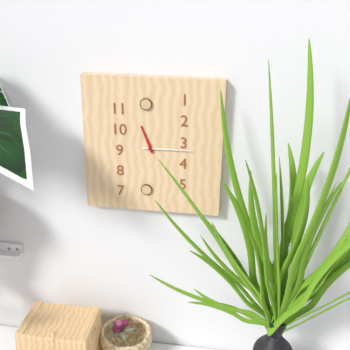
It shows 11:15
